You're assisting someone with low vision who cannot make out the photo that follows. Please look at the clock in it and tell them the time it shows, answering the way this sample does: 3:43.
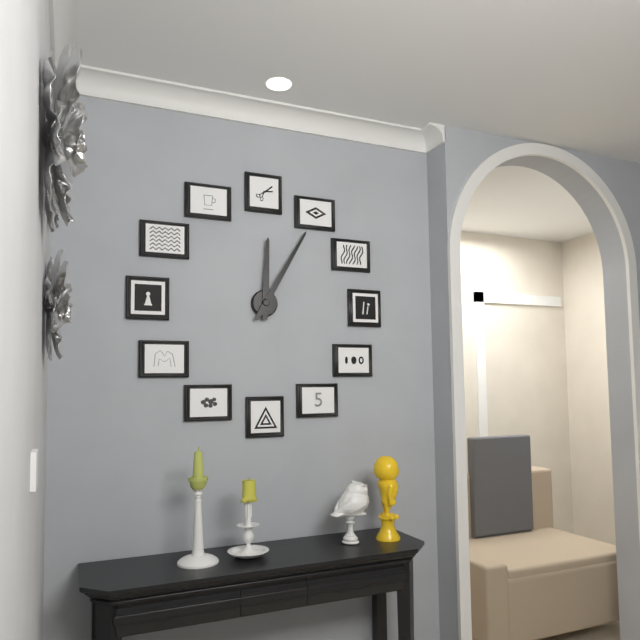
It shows 12:05
